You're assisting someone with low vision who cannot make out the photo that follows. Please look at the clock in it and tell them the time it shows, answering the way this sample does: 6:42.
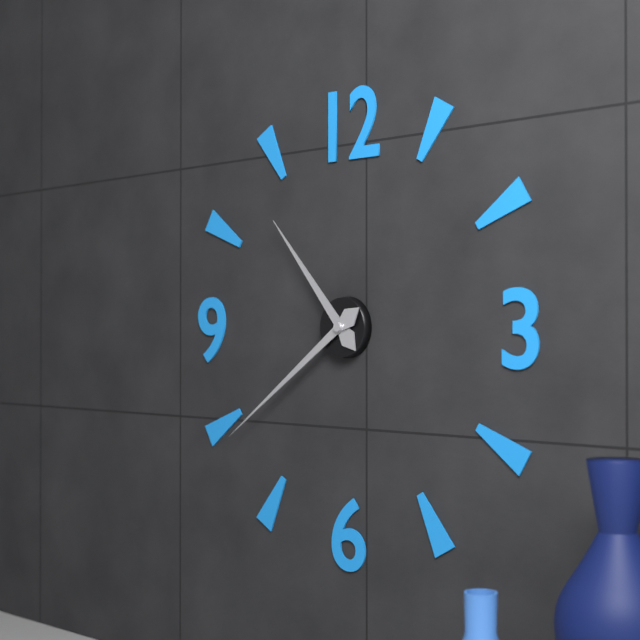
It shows 10:39
